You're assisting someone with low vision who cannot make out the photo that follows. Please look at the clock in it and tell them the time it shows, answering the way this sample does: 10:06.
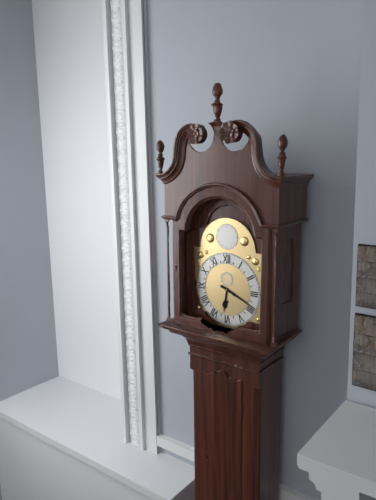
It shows 6:19
